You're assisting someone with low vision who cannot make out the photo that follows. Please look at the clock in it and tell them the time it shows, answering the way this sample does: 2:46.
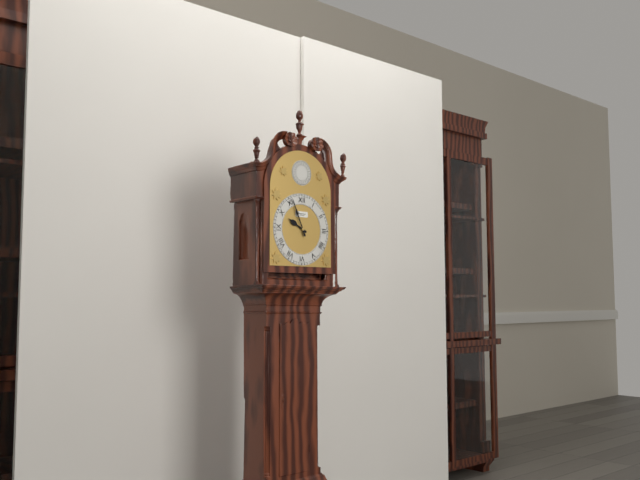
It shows 9:56
